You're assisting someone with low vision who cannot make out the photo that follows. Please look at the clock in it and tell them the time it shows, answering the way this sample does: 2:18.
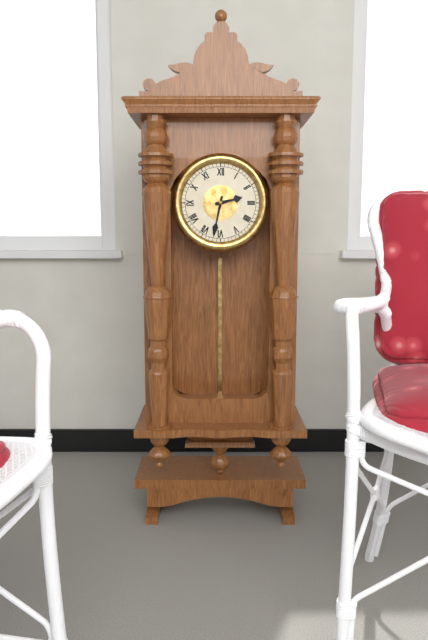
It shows 2:32
